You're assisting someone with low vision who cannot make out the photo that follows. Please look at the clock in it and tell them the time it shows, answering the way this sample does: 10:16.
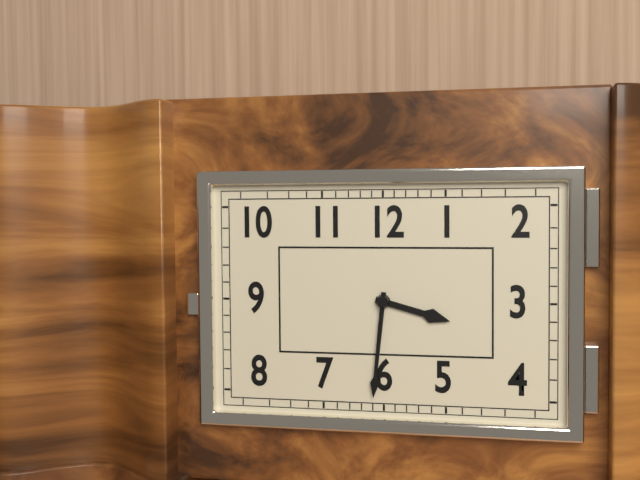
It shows 3:31
